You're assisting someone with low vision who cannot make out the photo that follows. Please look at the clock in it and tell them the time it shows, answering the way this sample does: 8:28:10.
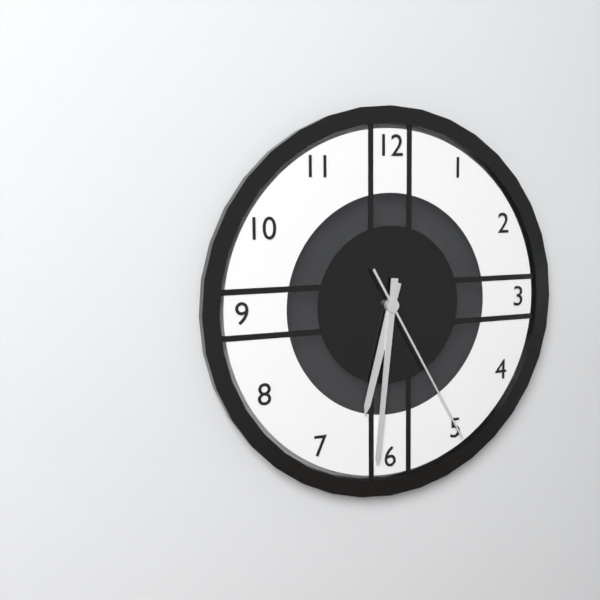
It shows 6:31:25
